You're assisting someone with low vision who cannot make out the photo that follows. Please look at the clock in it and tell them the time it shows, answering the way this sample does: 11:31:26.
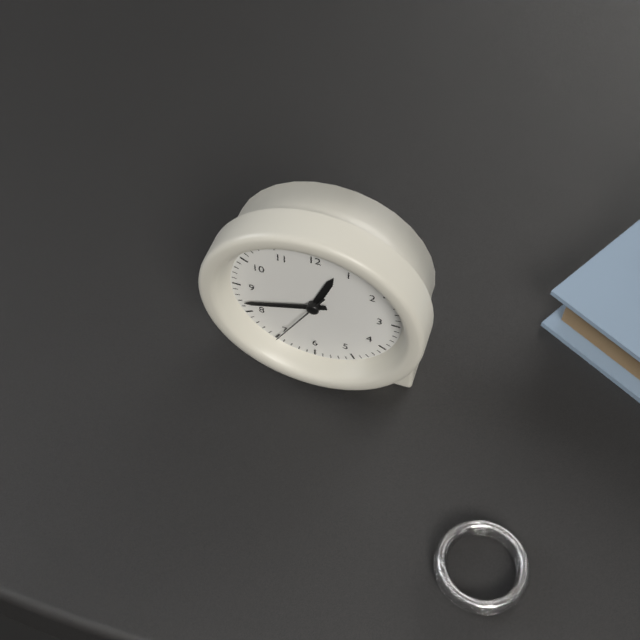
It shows 12:42:35
